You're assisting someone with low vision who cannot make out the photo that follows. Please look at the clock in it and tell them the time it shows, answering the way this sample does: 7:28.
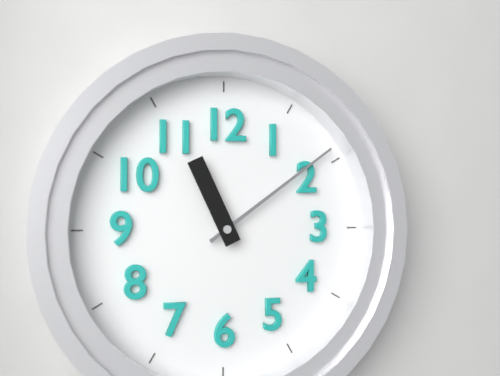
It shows 11:09
